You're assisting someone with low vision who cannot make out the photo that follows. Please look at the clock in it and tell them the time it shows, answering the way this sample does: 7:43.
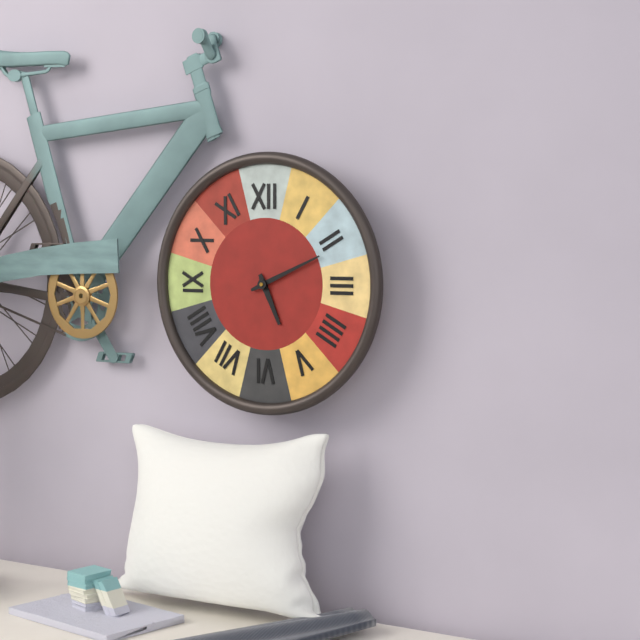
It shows 5:11
